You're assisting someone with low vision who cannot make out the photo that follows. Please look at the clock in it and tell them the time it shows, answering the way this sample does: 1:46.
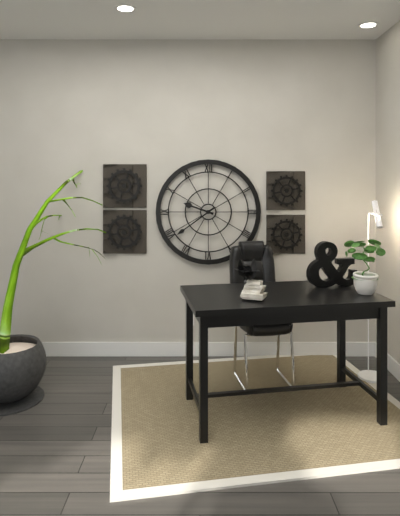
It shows 9:39
